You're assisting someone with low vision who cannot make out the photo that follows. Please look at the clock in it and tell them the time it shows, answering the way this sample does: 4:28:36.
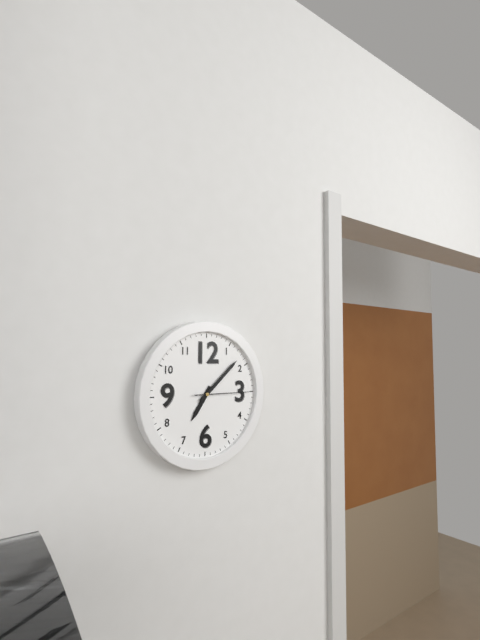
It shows 7:08:15
